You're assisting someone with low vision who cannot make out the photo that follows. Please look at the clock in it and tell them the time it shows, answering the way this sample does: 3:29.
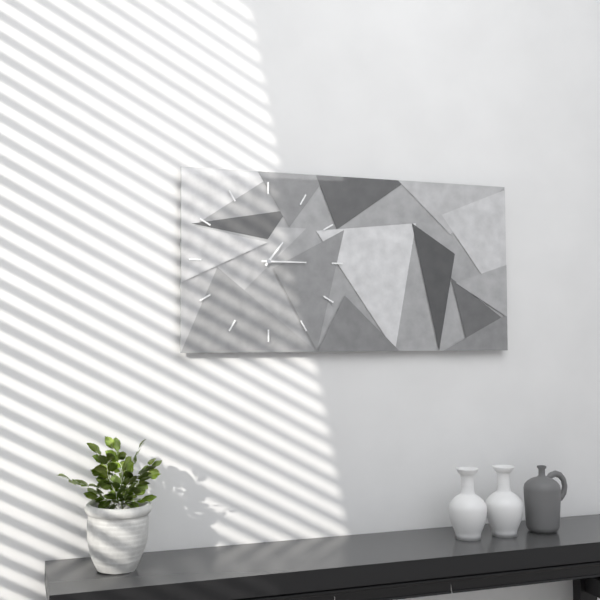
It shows 1:15
